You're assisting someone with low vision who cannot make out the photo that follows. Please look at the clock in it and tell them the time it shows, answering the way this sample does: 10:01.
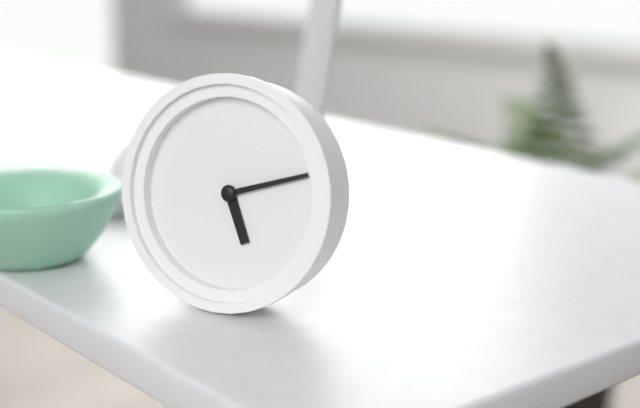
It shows 5:12
